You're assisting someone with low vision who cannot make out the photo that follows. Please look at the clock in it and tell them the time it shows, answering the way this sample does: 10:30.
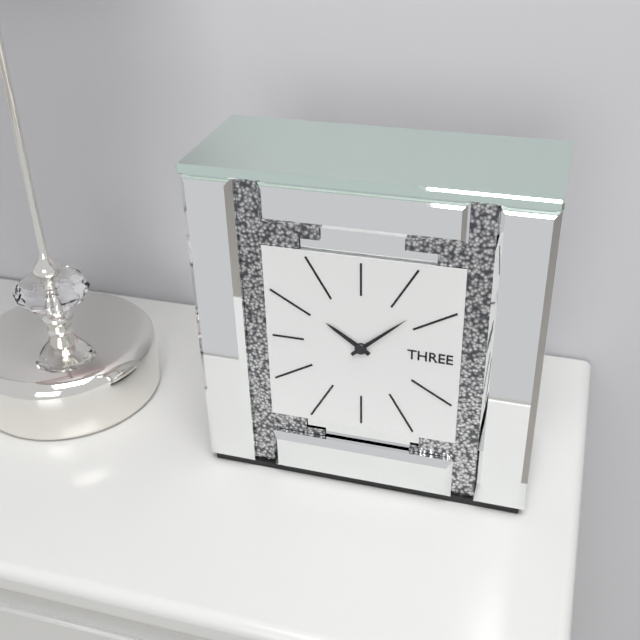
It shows 10:08
